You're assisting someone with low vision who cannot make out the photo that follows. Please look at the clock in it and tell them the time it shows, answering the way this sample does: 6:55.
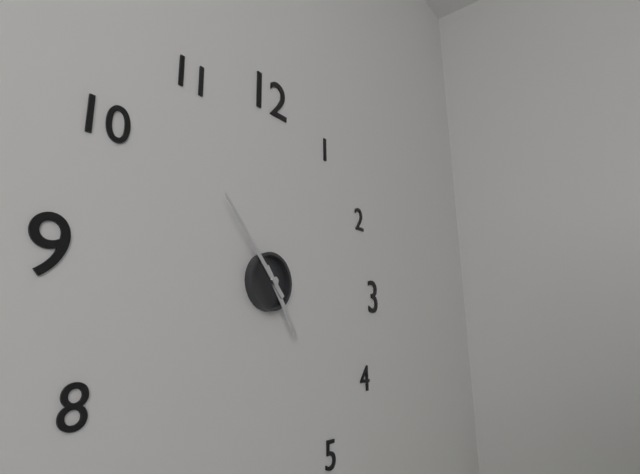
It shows 4:53
